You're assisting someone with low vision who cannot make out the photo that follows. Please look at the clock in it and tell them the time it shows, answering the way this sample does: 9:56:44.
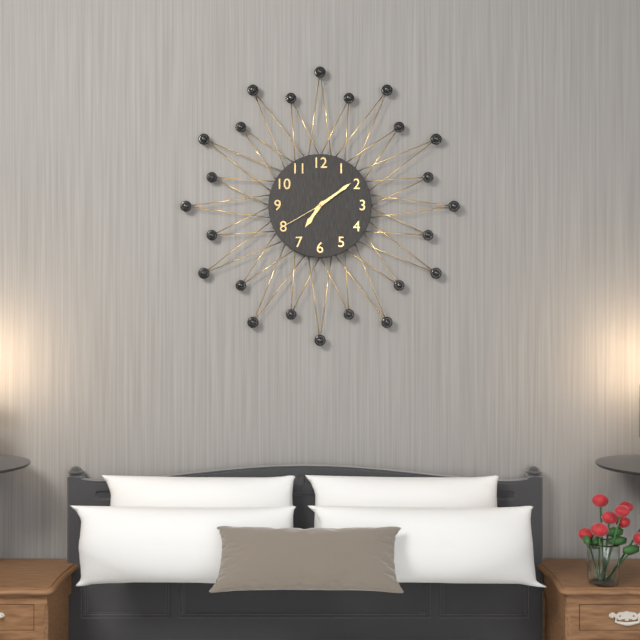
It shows 7:09:40
